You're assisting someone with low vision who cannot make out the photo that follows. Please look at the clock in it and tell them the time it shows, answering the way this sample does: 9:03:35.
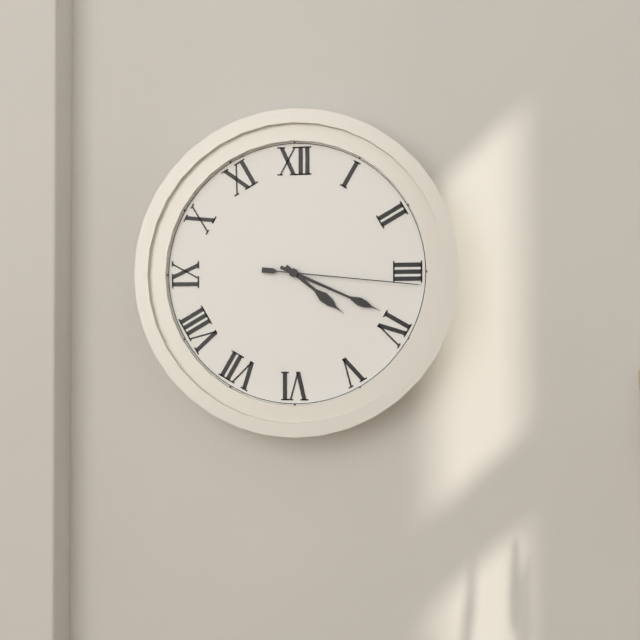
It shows 4:19:16
